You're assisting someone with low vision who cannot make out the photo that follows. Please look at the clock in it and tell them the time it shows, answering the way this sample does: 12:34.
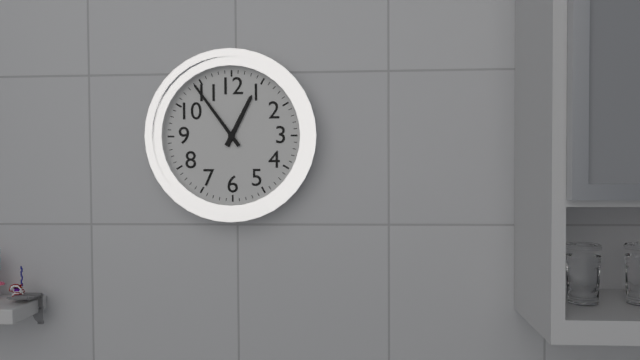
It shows 12:54
